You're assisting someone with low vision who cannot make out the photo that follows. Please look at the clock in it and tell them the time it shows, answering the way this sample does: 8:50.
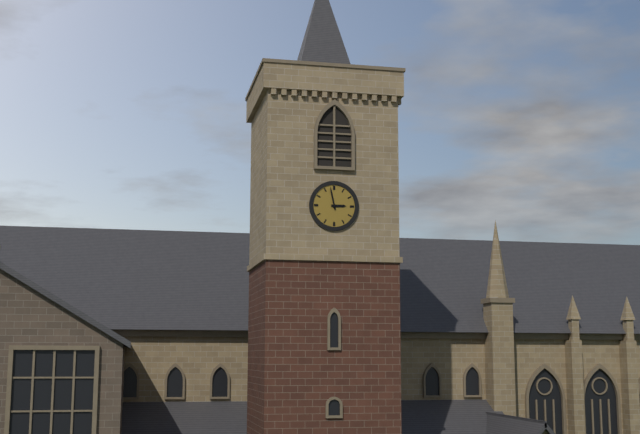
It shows 2:58
